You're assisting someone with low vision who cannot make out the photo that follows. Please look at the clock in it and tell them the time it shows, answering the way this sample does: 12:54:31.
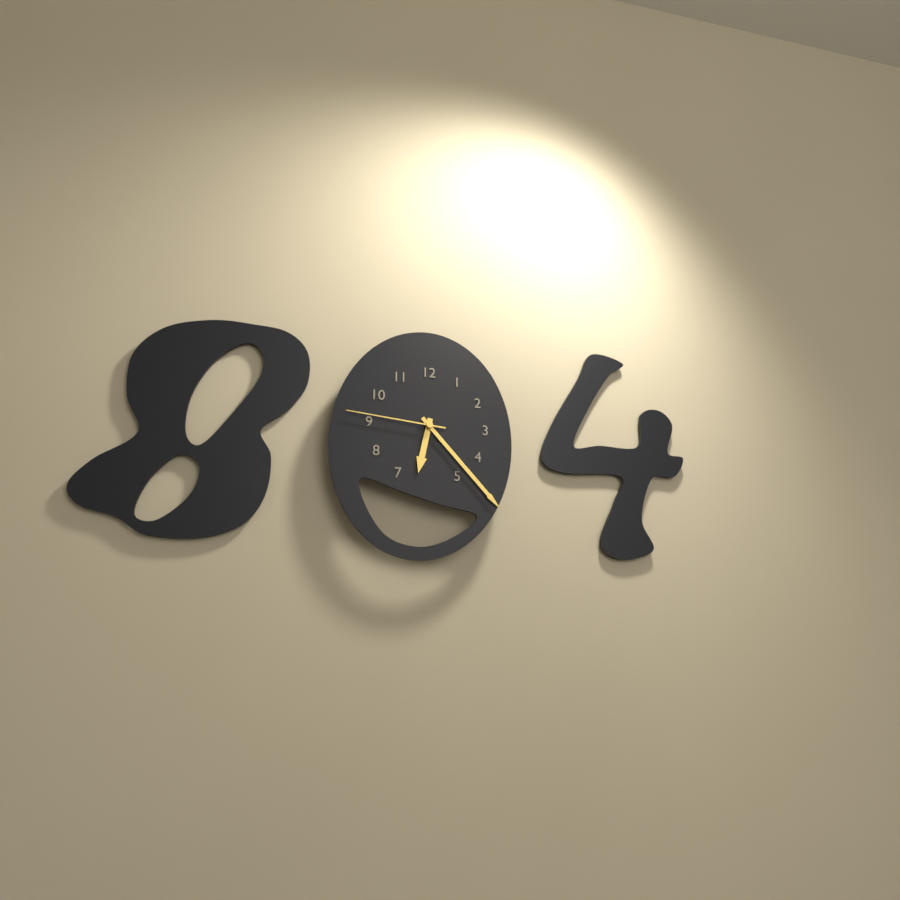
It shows 6:23:46
